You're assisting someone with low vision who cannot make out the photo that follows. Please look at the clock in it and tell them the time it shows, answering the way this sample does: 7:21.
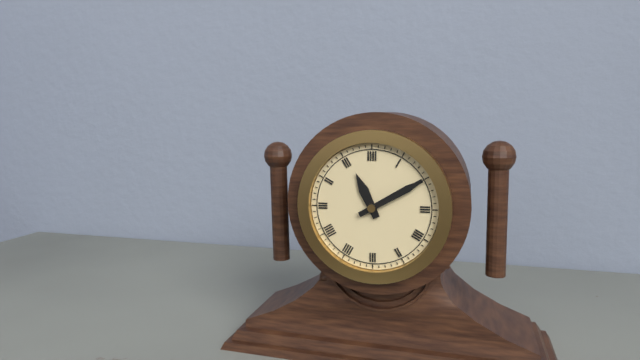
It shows 11:10
